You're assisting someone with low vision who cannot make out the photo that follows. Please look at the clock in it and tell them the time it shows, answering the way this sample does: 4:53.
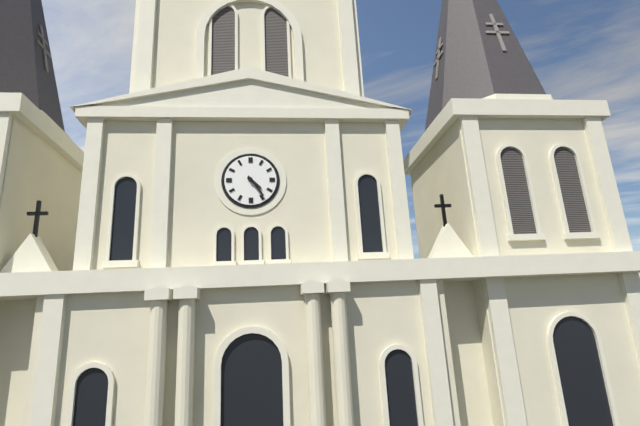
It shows 4:24
